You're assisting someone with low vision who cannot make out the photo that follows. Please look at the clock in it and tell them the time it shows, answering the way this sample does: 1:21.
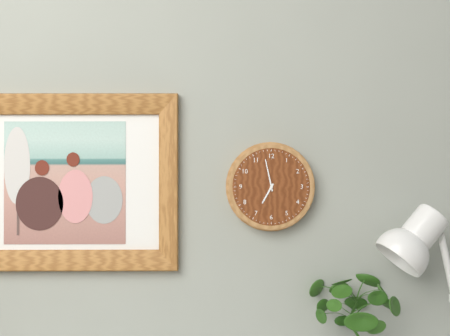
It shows 6:58
